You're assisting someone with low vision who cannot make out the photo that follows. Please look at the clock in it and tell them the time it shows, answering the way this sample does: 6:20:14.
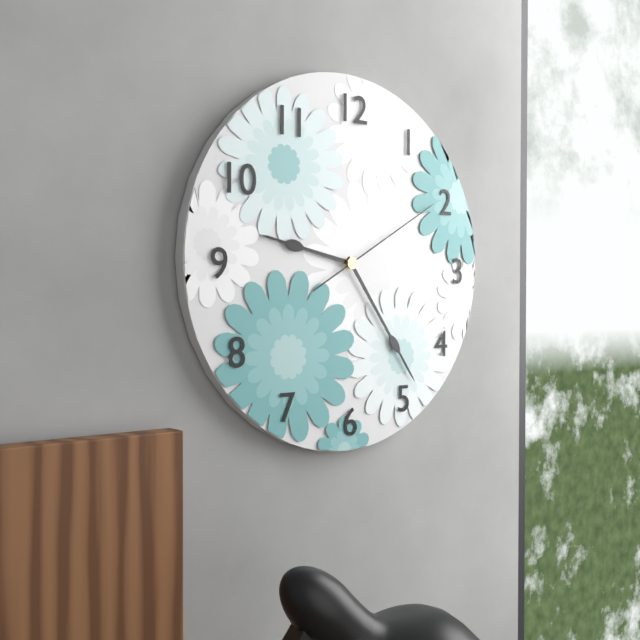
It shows 9:24:10
